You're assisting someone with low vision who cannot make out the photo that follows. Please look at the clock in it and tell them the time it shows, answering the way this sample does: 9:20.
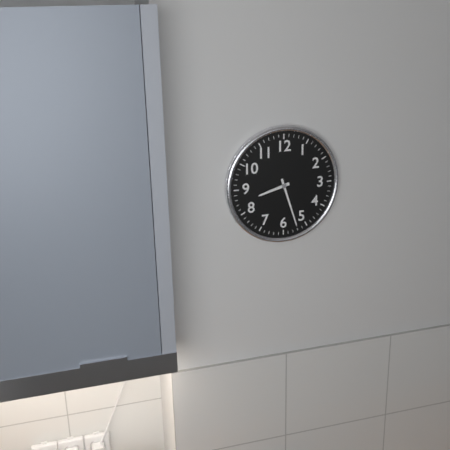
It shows 8:27
